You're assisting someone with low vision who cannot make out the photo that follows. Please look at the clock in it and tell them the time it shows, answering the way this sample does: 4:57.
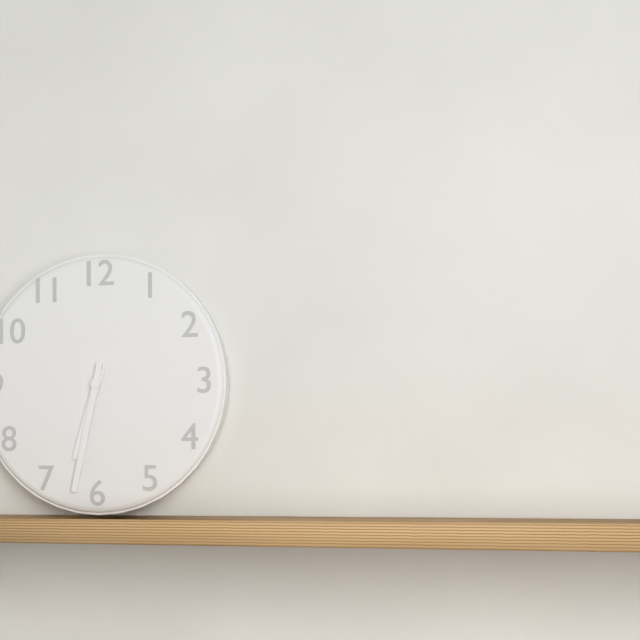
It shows 6:32
